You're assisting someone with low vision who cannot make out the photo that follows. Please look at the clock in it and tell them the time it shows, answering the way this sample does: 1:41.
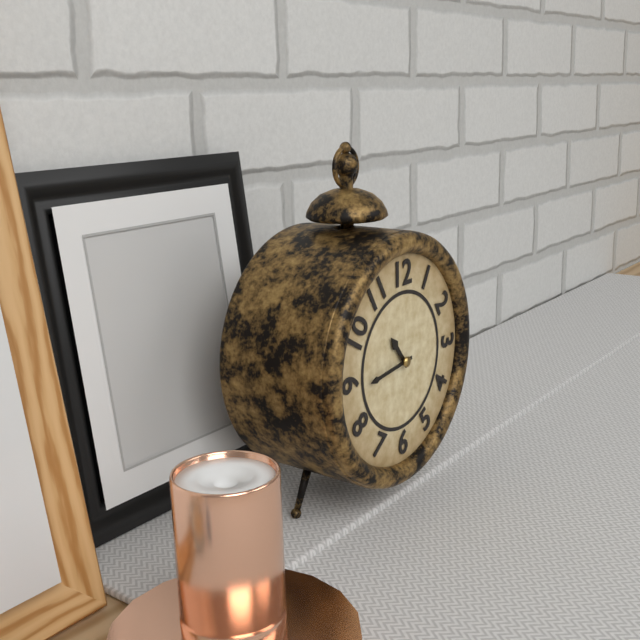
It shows 10:44
